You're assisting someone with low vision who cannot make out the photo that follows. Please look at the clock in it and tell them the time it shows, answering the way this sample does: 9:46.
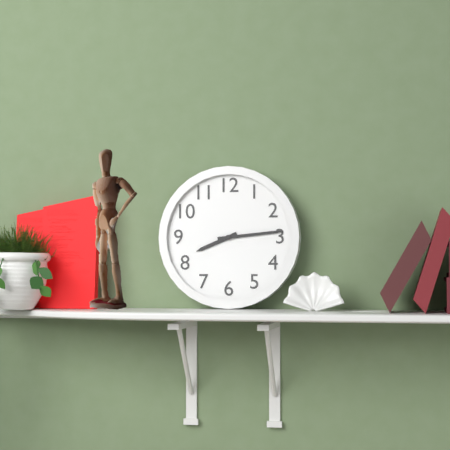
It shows 8:14
